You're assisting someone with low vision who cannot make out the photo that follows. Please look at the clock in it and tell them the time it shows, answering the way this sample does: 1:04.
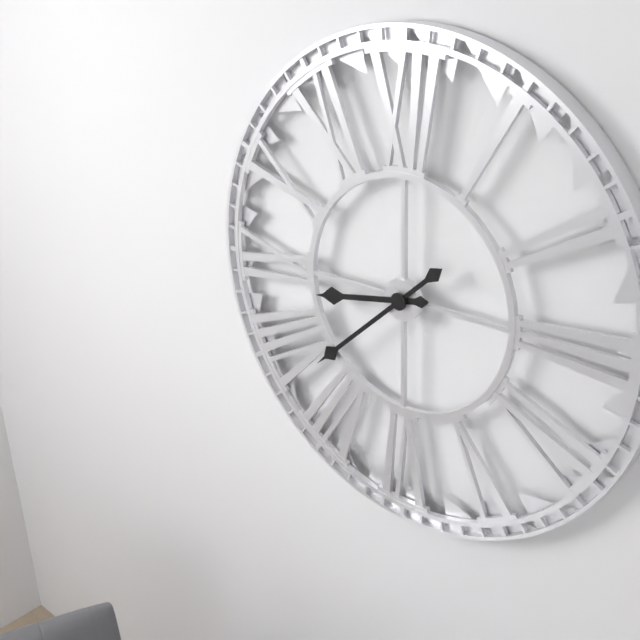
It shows 8:38
